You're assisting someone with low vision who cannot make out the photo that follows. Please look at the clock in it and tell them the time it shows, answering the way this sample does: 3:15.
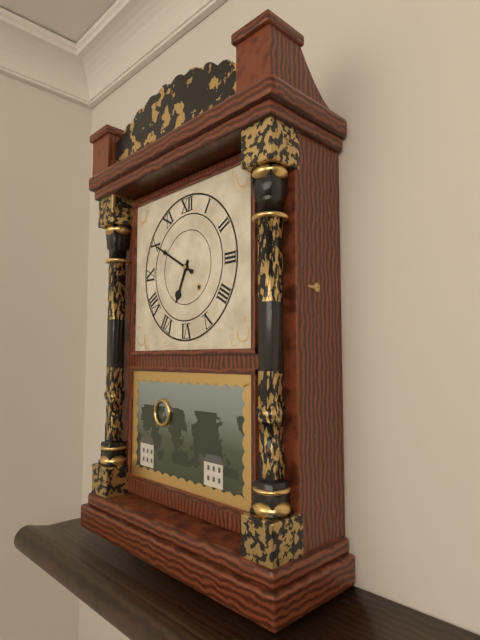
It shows 6:50
